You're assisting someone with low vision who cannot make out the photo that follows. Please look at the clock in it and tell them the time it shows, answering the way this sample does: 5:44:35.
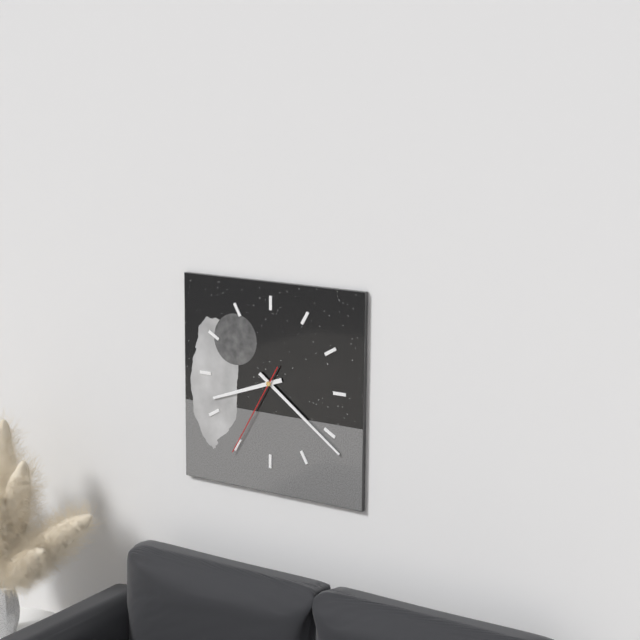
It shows 8:21:35
